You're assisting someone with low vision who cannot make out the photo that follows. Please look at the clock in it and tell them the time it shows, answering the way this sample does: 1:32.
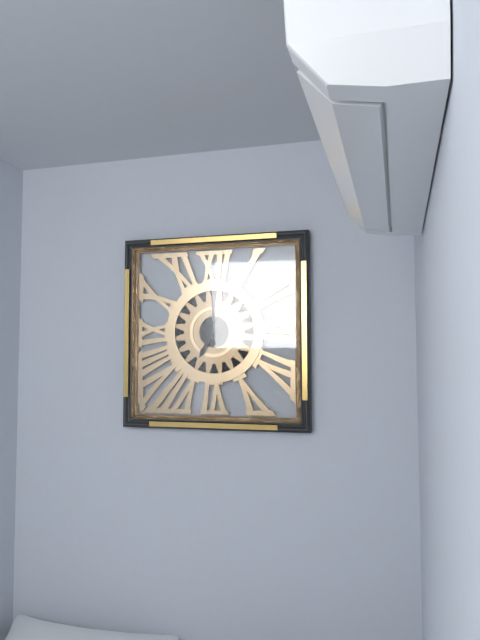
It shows 7:00
